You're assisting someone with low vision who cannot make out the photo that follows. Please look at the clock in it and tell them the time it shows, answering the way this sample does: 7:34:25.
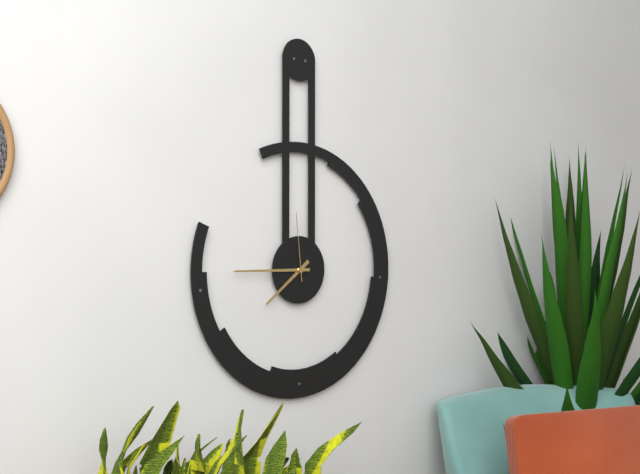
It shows 7:45:59
